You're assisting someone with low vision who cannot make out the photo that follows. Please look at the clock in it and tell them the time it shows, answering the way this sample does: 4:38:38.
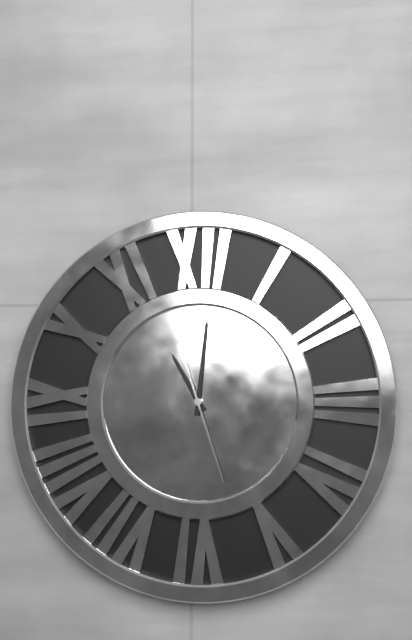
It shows 11:01:27
